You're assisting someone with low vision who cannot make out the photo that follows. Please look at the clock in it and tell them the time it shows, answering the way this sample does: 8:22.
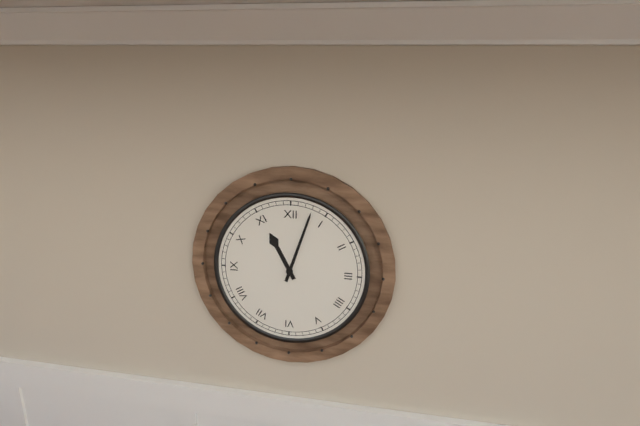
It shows 11:03
